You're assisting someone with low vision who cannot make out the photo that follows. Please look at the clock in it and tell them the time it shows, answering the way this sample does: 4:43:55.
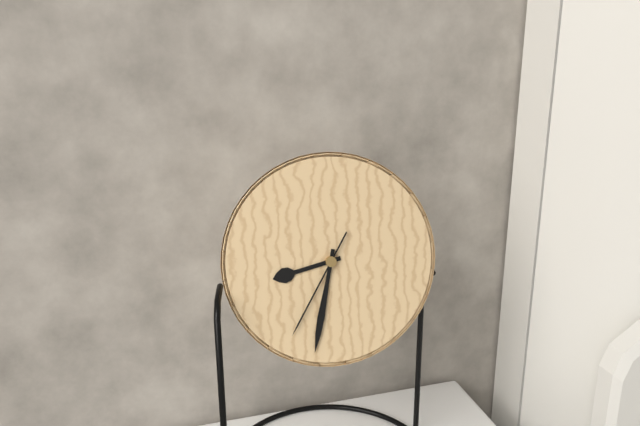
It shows 8:32:35
